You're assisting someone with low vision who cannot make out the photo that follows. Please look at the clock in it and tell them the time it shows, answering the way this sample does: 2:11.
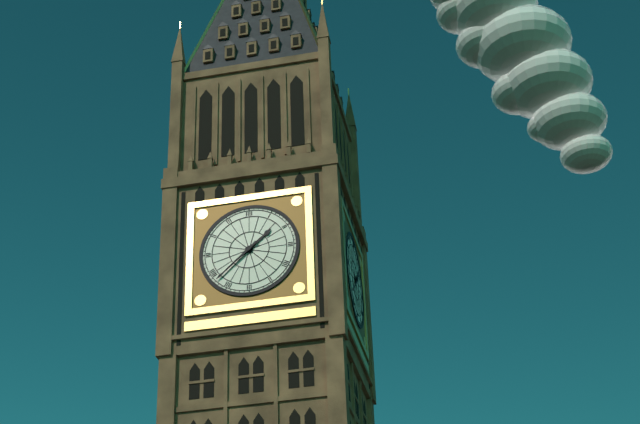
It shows 1:38
